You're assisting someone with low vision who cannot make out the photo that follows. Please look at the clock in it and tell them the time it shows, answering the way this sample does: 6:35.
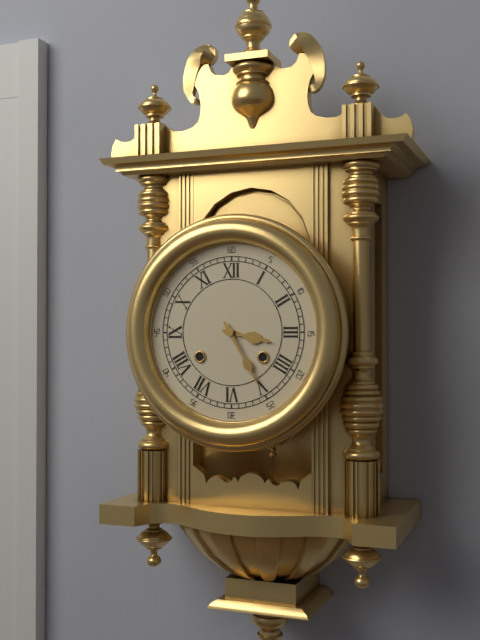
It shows 3:25
